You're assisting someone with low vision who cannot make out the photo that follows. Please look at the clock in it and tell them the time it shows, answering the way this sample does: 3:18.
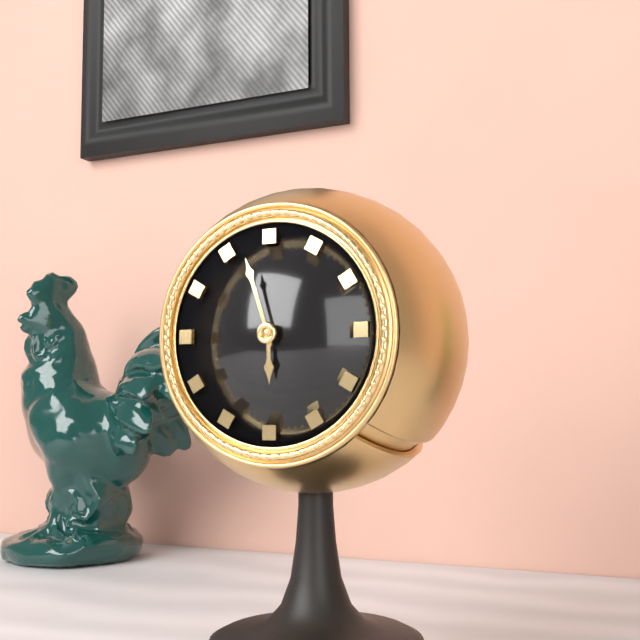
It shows 5:57
